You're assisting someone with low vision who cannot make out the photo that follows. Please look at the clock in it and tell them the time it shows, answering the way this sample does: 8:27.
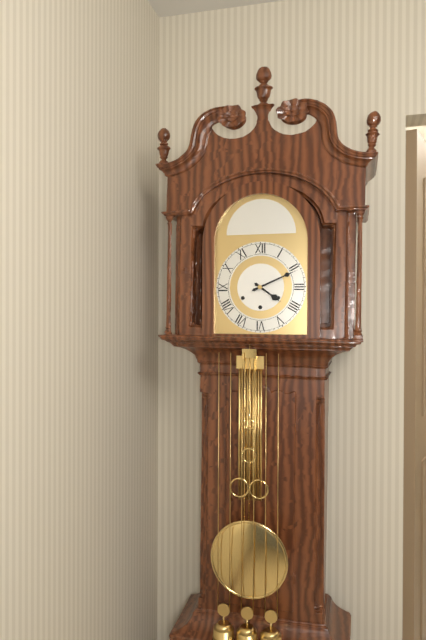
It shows 4:11
